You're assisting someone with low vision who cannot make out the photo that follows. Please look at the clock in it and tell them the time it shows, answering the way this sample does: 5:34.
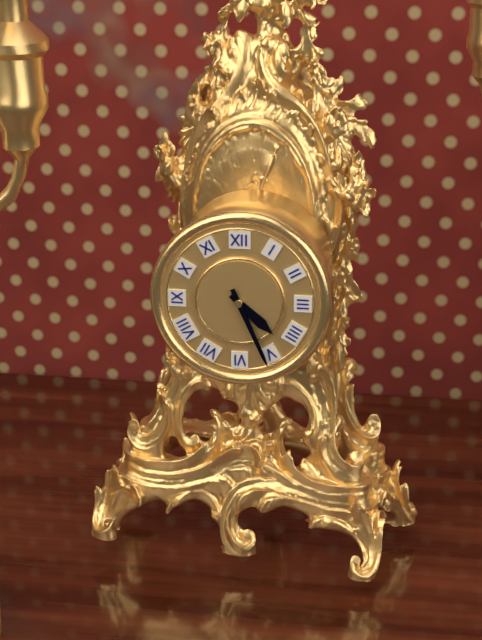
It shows 4:26
